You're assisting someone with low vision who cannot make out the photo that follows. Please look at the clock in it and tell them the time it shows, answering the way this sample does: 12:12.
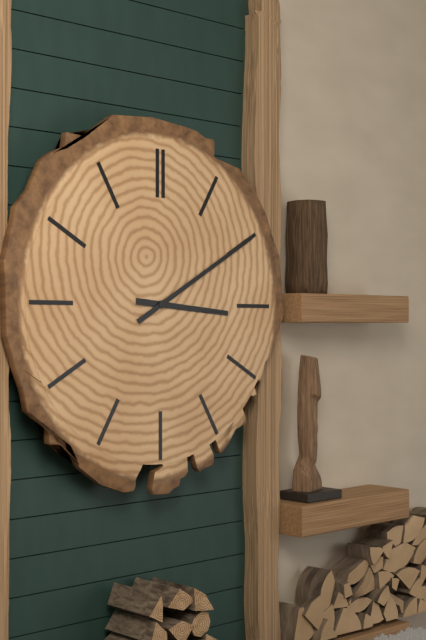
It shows 3:10
